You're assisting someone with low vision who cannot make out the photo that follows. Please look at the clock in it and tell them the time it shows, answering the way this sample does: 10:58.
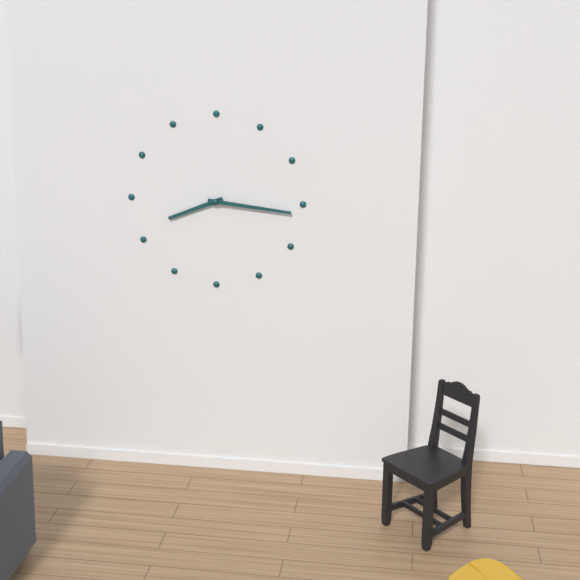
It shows 8:16
